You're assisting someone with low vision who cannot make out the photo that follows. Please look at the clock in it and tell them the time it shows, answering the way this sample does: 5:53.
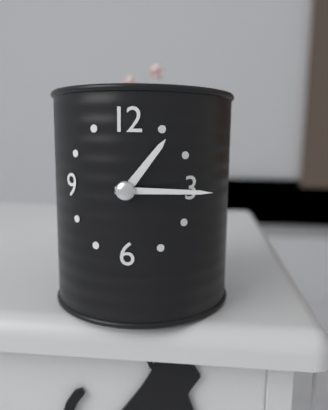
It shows 1:15
